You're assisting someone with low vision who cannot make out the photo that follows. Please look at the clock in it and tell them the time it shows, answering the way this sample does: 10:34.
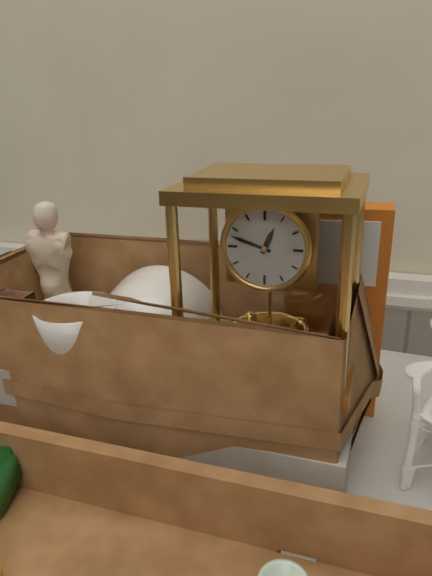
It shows 12:48
